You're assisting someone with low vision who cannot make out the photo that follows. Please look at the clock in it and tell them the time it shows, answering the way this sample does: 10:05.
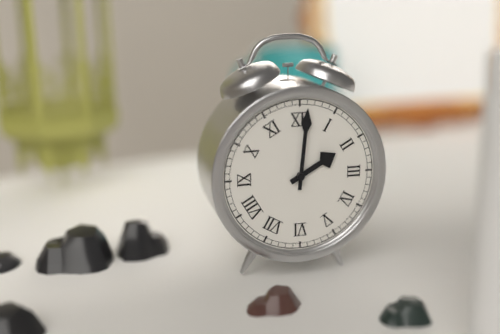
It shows 2:01
